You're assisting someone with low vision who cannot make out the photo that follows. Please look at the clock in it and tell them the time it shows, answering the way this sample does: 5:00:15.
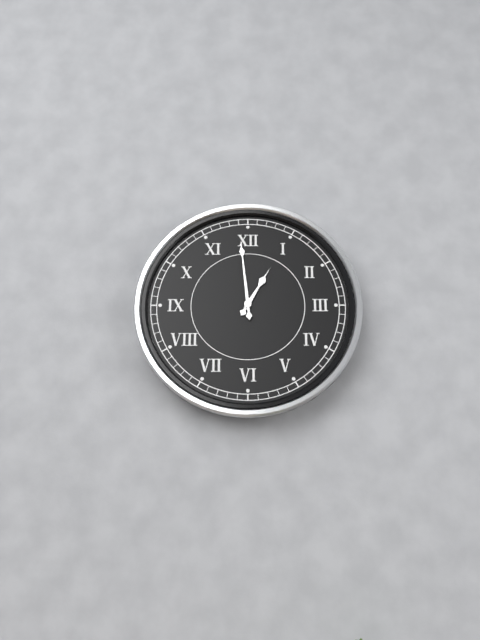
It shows 12:59:59
